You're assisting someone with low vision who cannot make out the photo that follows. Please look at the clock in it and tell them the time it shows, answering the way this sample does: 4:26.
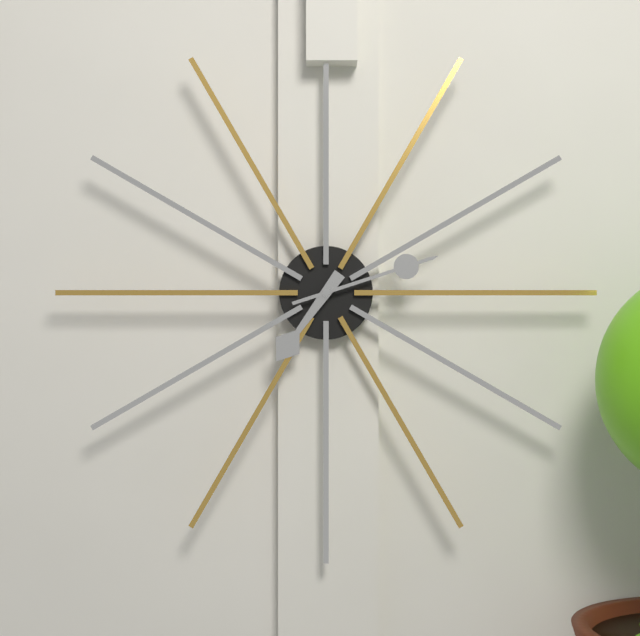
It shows 7:12
